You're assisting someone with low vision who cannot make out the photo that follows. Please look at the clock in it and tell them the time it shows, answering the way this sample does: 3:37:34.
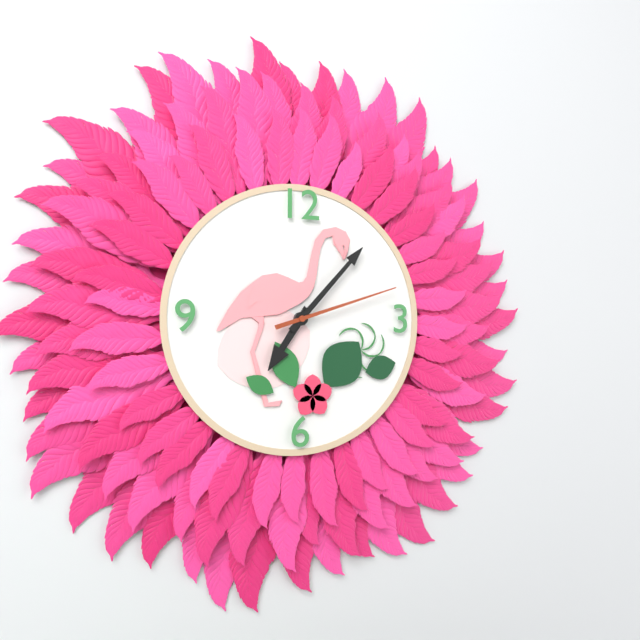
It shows 7:07:12
